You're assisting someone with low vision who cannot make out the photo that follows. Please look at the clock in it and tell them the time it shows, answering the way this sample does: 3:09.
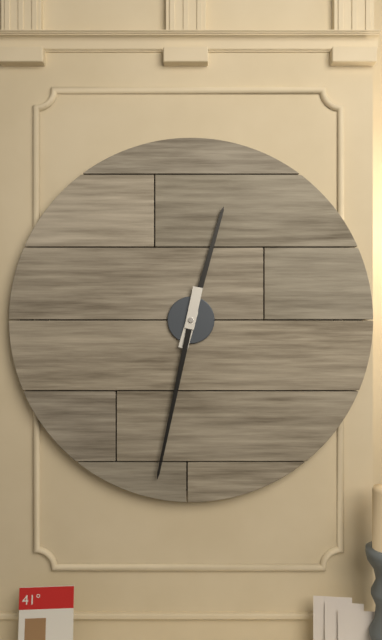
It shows 12:32
